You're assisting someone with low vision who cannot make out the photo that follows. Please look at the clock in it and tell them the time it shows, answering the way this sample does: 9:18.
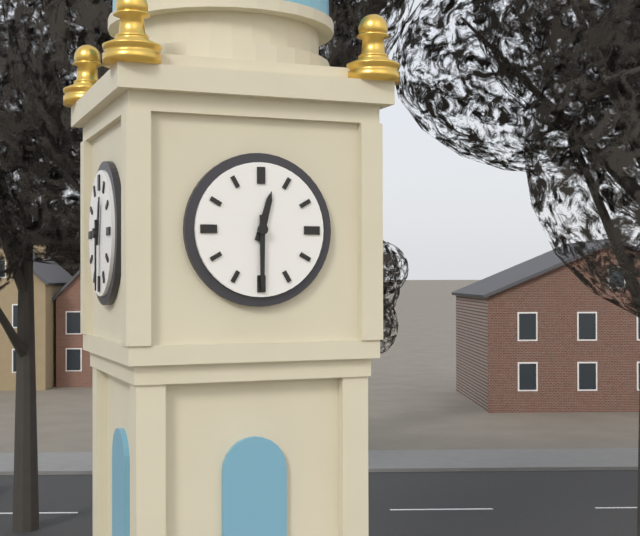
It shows 12:30
